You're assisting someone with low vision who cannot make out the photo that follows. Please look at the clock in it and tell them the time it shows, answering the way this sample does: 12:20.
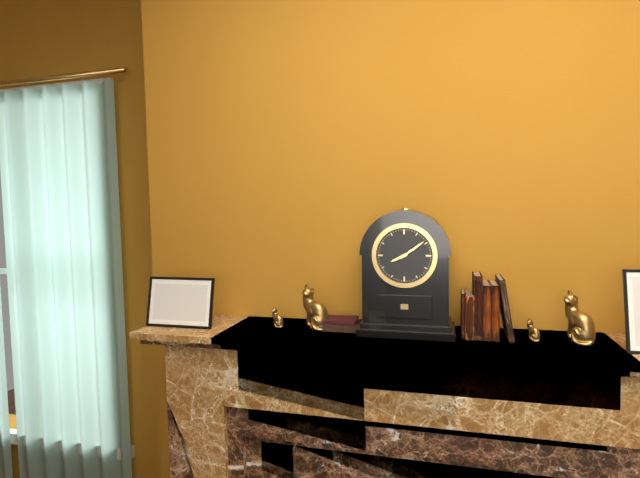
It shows 8:09
